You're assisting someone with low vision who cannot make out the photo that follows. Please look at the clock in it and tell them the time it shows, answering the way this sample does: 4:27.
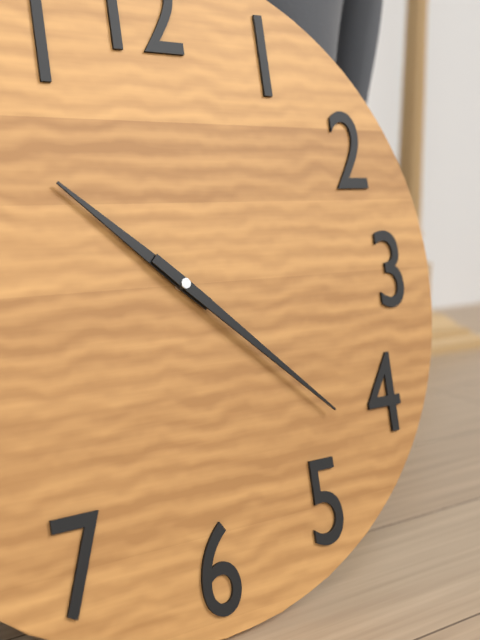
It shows 10:22
